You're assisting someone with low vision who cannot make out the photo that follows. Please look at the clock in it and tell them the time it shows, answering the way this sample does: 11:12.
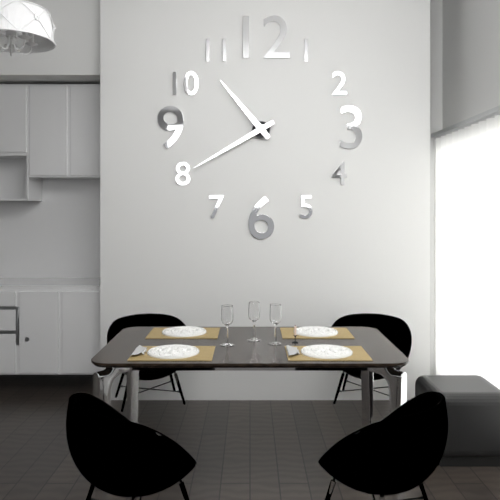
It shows 10:40
